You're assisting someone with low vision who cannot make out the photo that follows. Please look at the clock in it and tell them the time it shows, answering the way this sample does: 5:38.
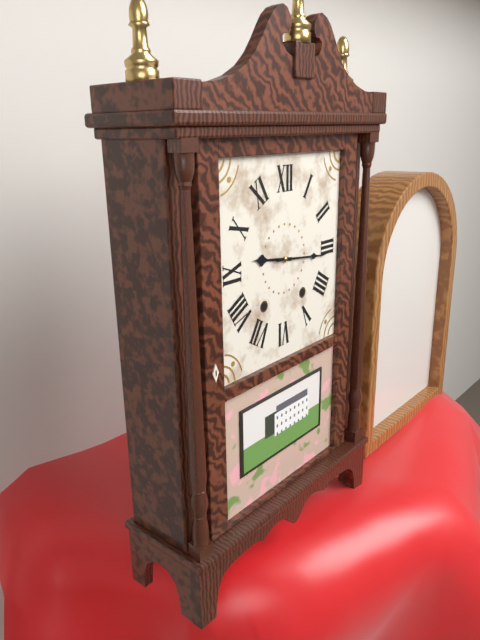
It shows 9:16
